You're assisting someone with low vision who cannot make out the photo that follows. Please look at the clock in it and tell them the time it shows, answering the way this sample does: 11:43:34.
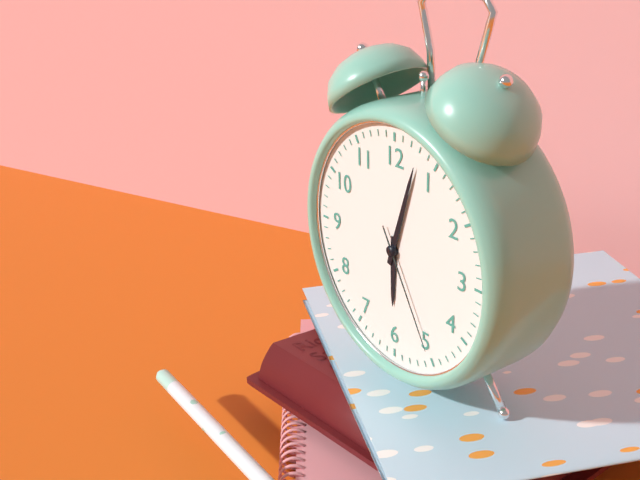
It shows 6:03:25
